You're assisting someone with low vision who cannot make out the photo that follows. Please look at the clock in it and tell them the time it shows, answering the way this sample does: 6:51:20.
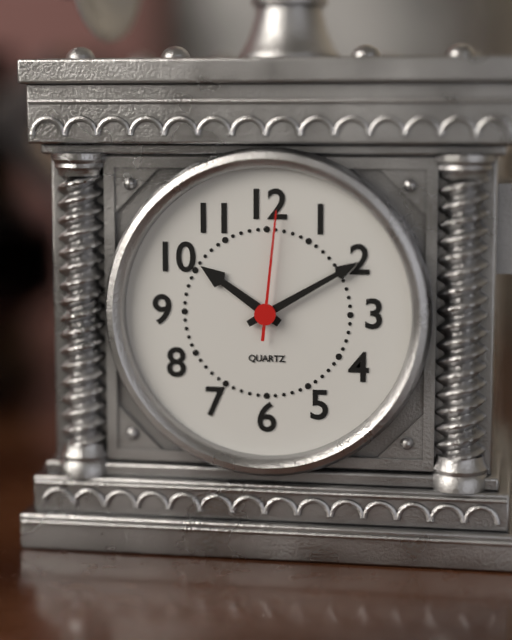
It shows 10:10:01
